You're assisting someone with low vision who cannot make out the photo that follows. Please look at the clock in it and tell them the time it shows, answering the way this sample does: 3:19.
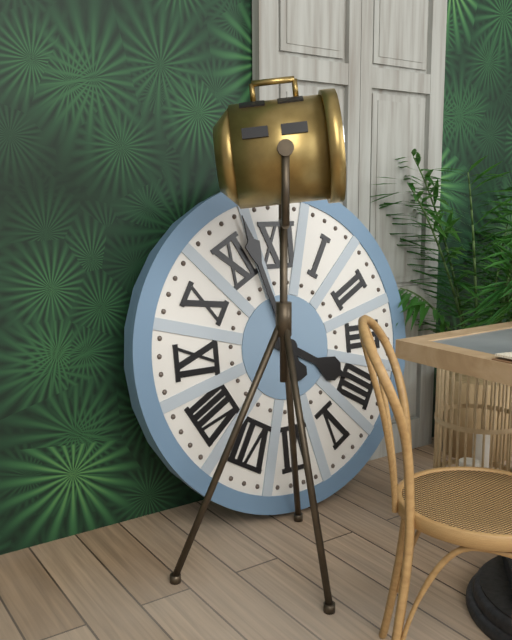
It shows 3:57
